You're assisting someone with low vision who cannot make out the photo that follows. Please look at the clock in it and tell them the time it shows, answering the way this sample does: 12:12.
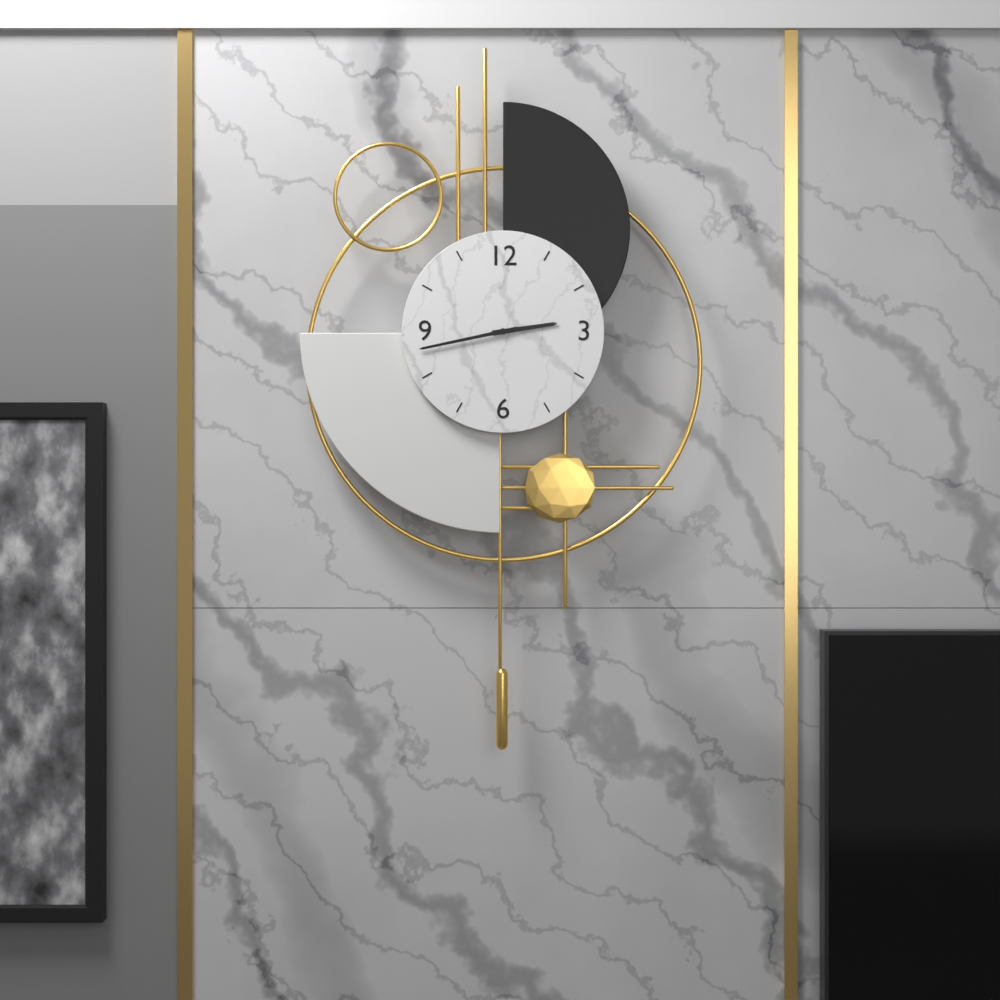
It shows 2:43
